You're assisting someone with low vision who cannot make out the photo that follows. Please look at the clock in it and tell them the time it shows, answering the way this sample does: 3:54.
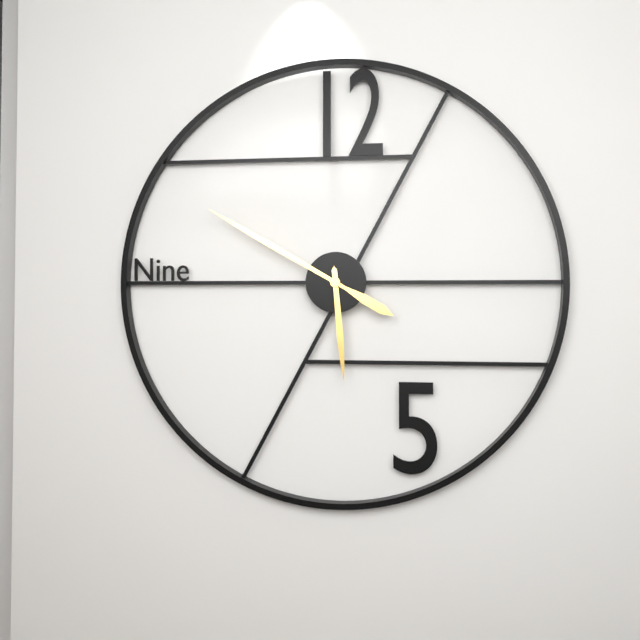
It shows 5:50
